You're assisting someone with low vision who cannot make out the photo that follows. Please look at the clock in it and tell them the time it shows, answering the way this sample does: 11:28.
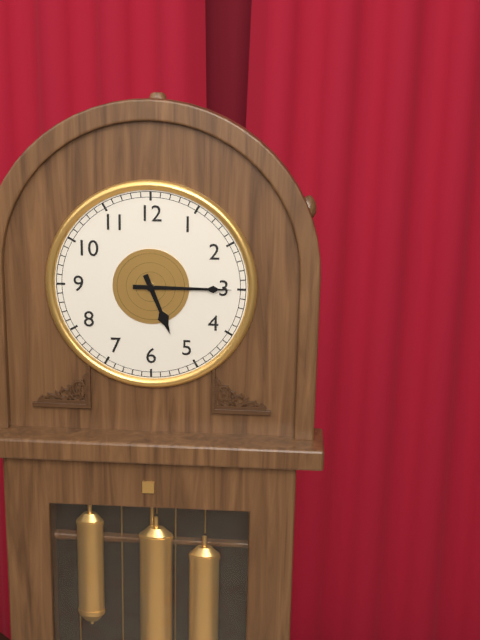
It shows 5:15
